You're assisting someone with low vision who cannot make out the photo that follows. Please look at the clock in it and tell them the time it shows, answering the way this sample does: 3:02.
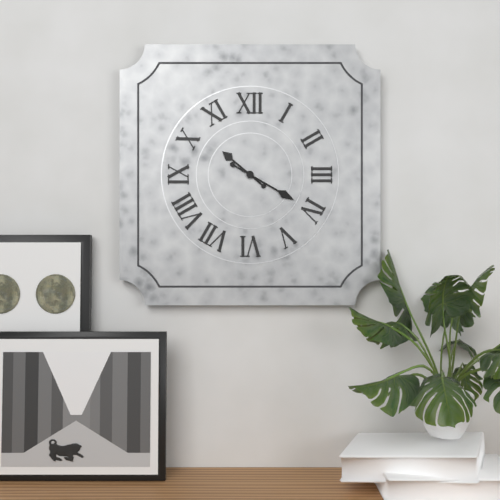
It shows 10:20
